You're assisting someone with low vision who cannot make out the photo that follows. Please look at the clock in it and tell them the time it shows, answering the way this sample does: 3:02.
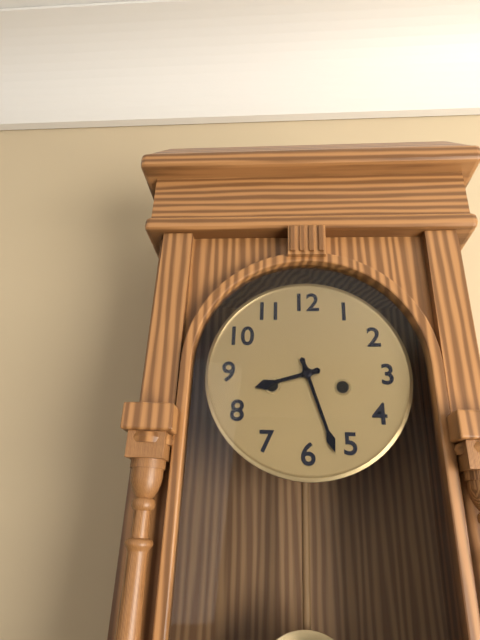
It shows 8:27
